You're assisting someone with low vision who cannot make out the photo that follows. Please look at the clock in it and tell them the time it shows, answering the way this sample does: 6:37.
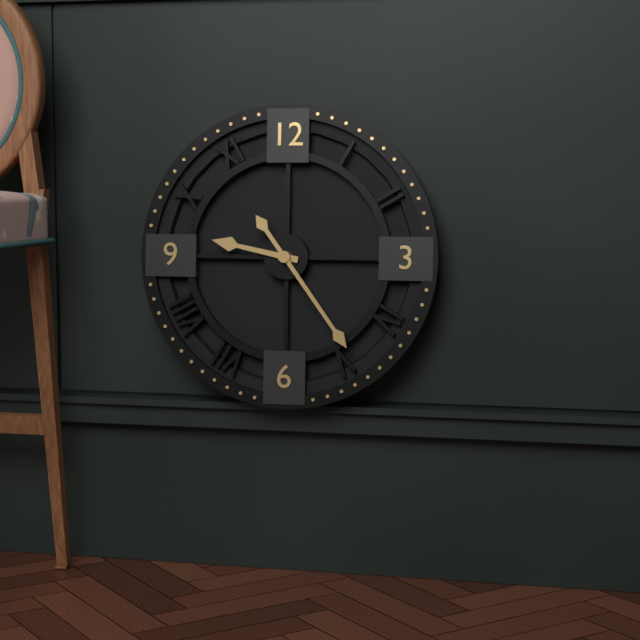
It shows 9:24
